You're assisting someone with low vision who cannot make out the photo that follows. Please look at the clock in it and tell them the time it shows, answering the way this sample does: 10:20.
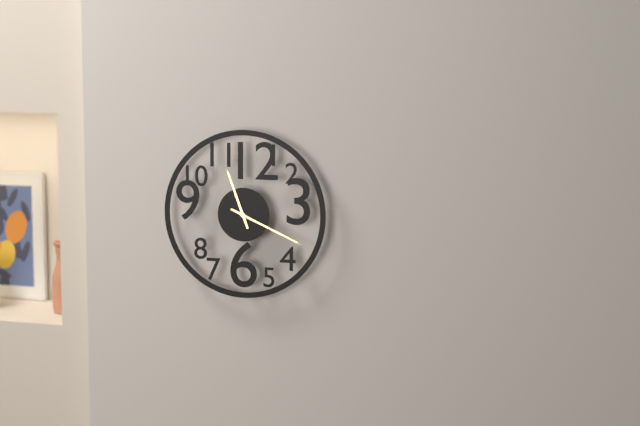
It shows 11:19
